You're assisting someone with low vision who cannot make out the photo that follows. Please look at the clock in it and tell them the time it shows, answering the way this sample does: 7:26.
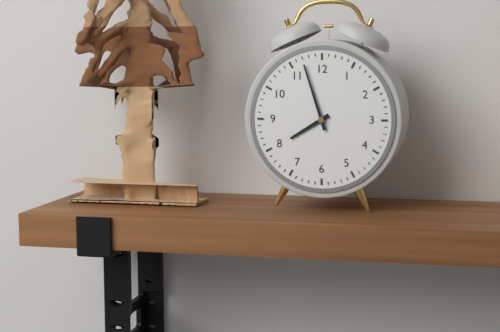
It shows 7:57
